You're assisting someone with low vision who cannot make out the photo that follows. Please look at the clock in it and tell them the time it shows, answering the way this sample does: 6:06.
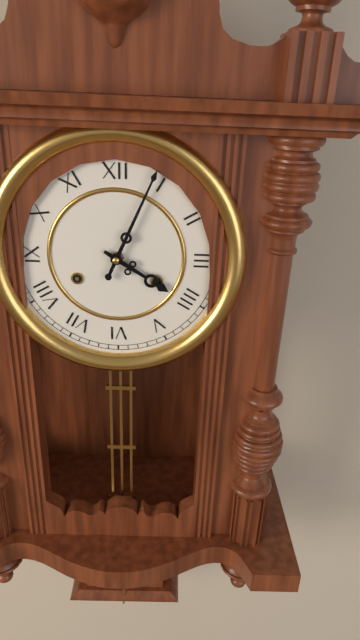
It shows 4:04
